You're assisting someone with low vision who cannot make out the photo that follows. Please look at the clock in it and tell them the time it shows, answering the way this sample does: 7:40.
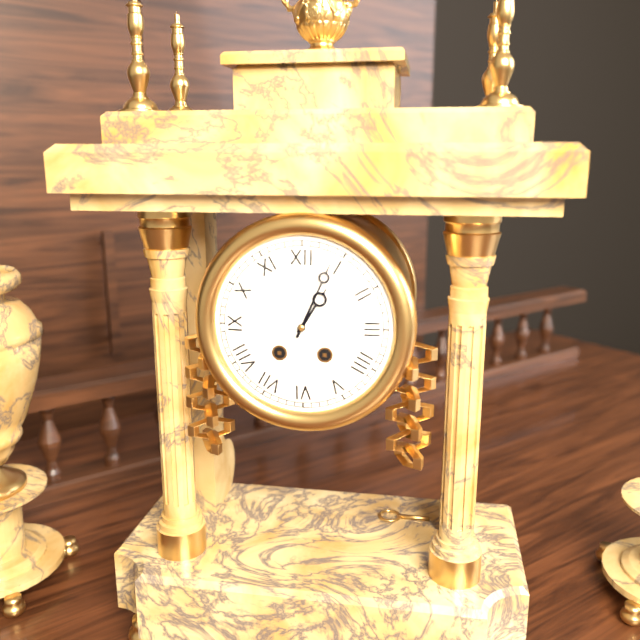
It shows 1:04
